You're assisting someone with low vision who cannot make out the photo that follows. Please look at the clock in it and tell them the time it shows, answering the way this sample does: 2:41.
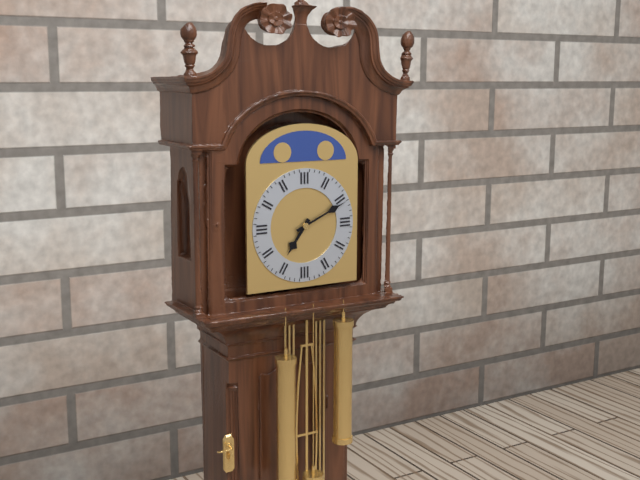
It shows 7:11
